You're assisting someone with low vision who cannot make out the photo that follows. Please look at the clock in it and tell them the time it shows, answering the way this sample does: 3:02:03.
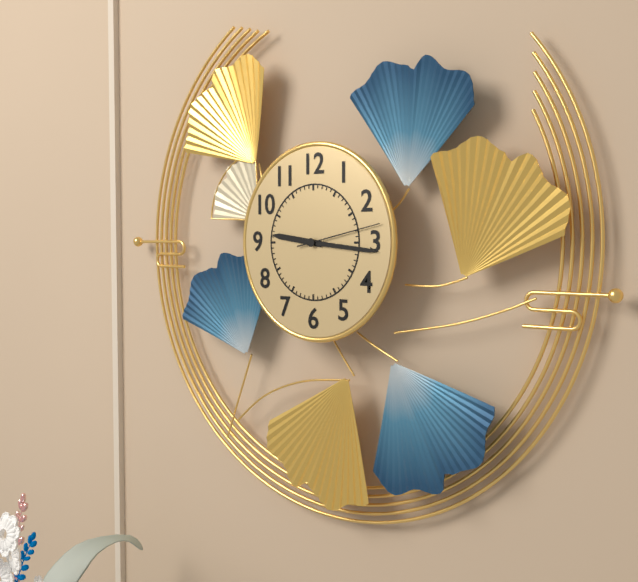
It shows 9:16:13
